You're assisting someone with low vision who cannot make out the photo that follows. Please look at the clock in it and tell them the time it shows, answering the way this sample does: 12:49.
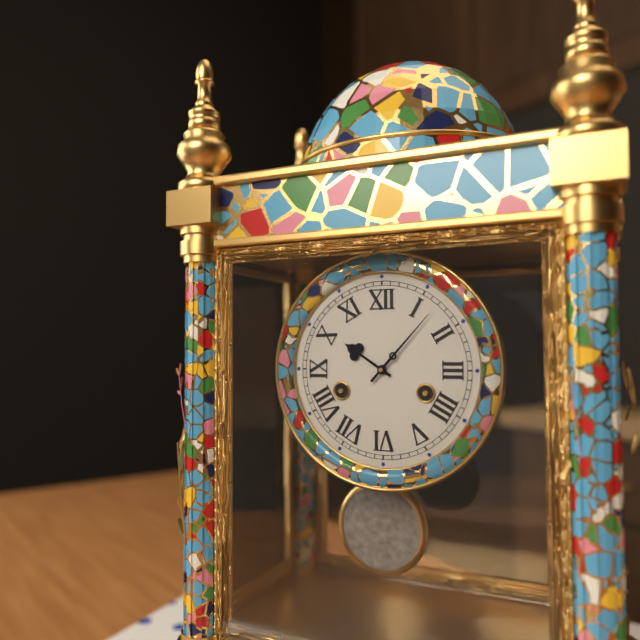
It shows 10:07
